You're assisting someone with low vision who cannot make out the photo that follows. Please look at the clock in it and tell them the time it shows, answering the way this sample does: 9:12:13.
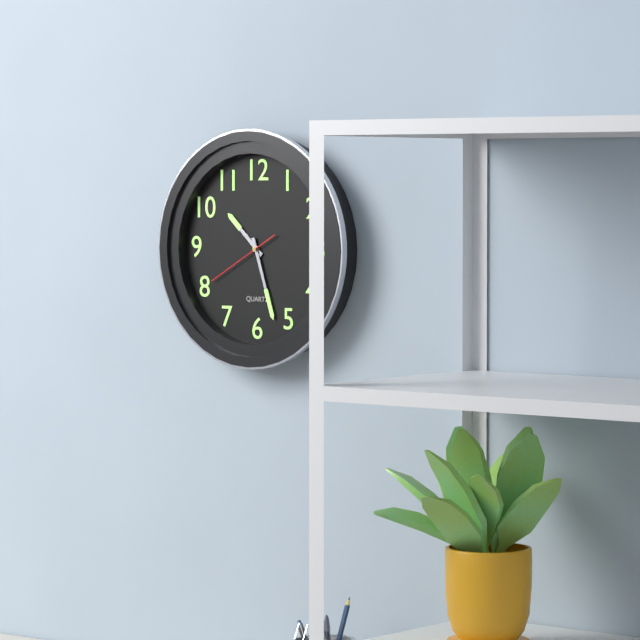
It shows 10:27:40
